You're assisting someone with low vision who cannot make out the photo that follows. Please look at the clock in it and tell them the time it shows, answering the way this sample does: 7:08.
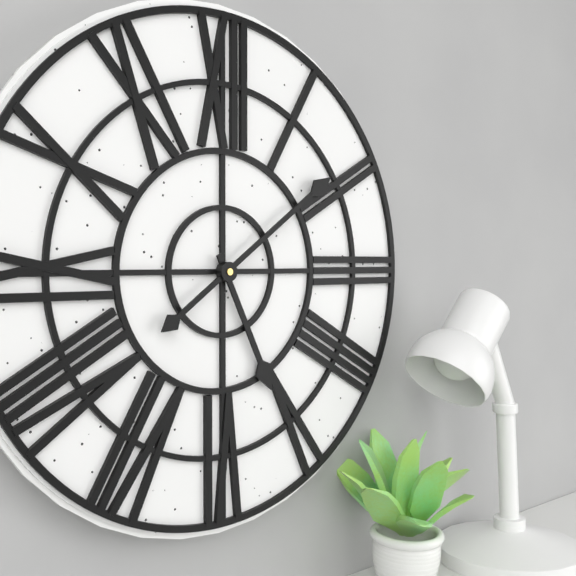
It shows 5:09
